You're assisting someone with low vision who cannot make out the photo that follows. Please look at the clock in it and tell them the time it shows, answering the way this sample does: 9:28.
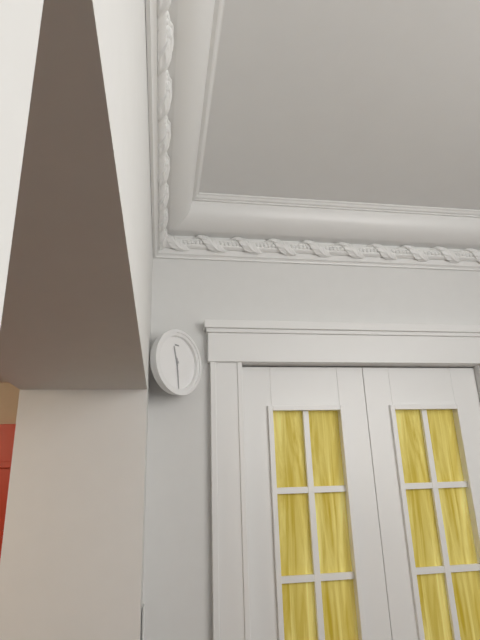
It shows 11:29
